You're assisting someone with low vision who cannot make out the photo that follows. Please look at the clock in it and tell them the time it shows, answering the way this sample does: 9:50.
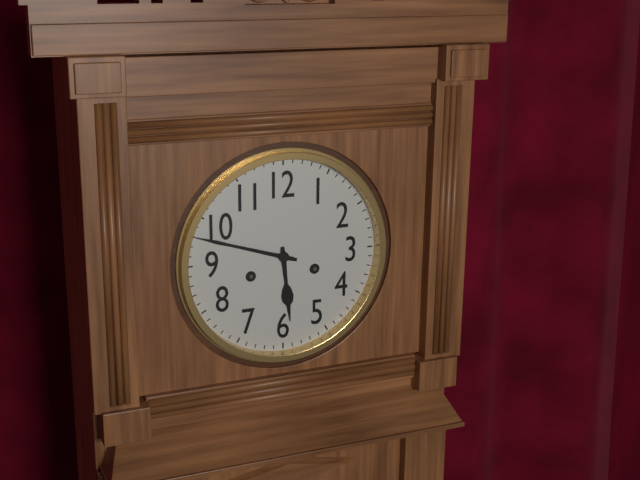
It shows 5:48
